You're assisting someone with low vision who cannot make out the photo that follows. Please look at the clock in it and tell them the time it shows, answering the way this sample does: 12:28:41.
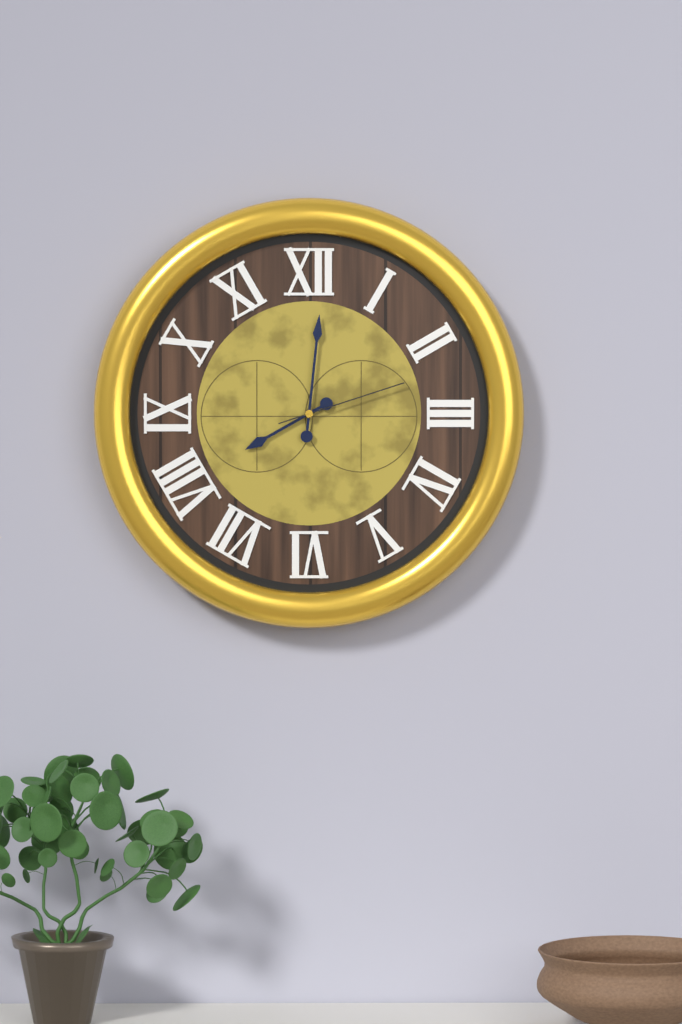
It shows 8:01:12
